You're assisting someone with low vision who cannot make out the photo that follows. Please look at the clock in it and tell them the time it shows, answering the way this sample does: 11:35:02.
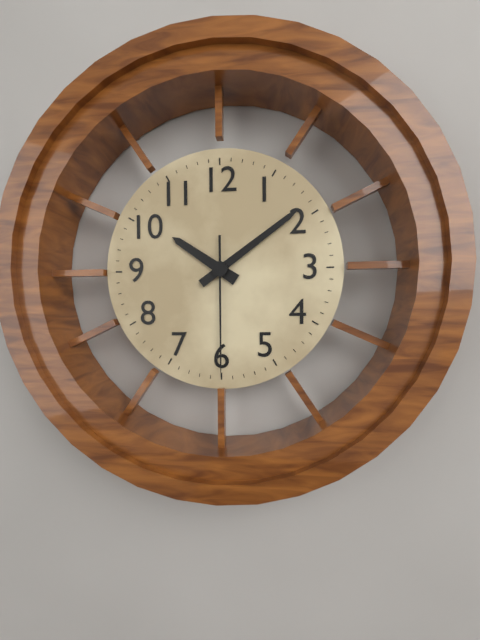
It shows 10:09:30
